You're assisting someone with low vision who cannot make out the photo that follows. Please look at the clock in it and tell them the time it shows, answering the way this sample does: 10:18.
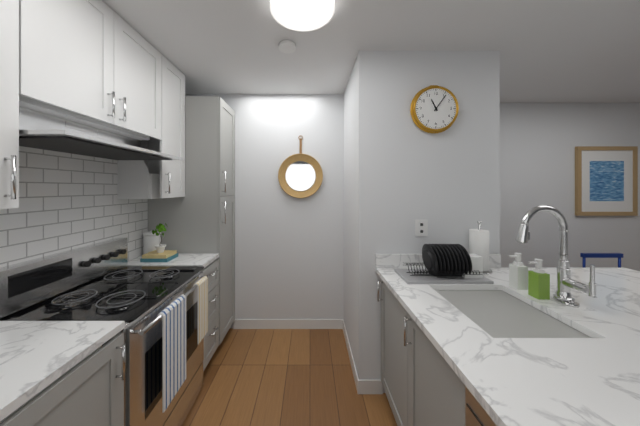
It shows 11:06
